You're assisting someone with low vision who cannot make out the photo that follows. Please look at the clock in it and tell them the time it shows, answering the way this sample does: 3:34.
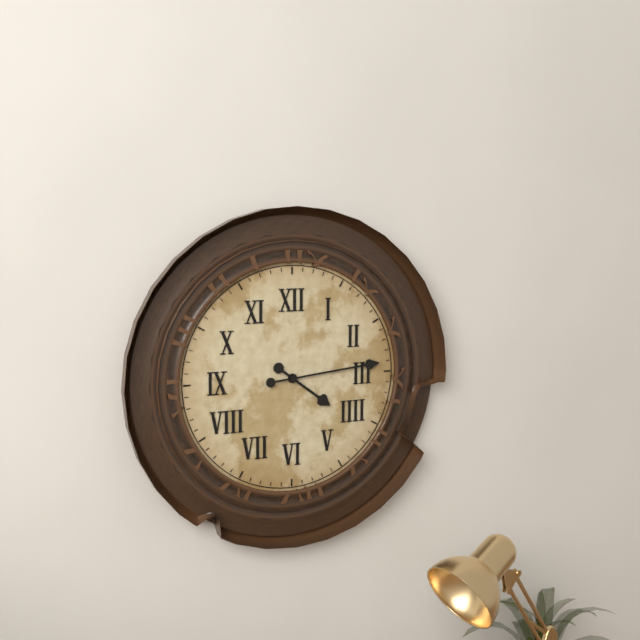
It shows 4:14
